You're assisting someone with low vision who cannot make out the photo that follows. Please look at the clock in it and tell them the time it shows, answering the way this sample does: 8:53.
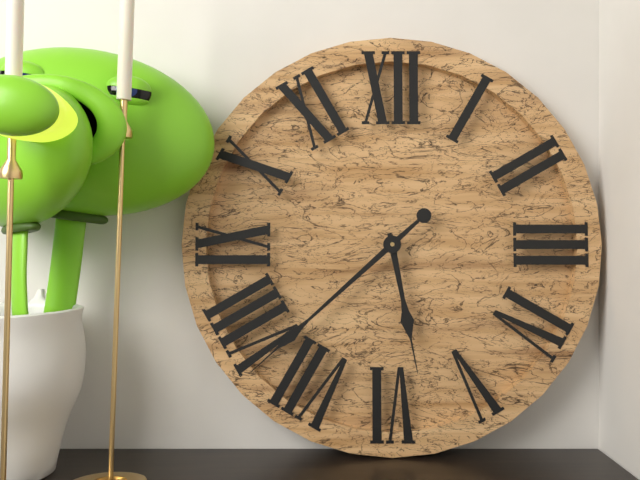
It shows 5:38
